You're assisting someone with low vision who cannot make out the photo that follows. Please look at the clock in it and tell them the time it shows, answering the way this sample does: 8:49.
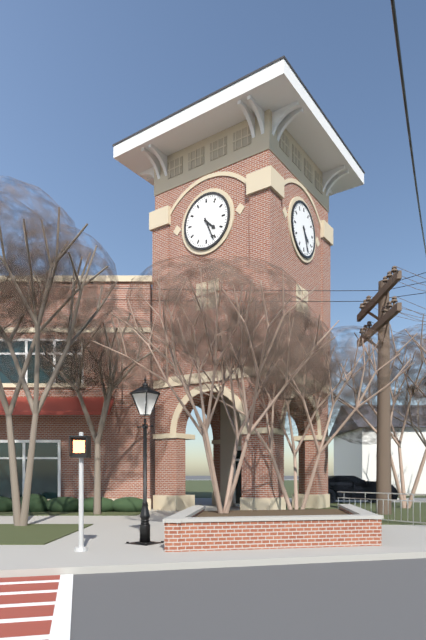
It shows 4:26
